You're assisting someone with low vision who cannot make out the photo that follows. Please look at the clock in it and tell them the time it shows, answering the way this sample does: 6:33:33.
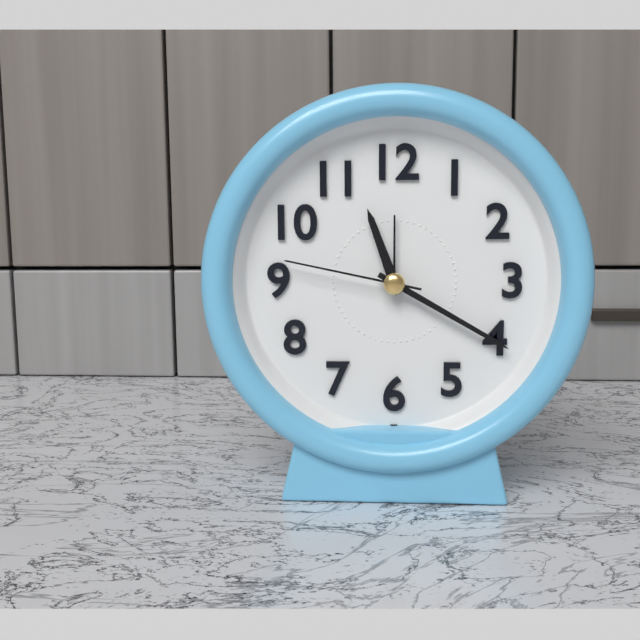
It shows 11:20:47
